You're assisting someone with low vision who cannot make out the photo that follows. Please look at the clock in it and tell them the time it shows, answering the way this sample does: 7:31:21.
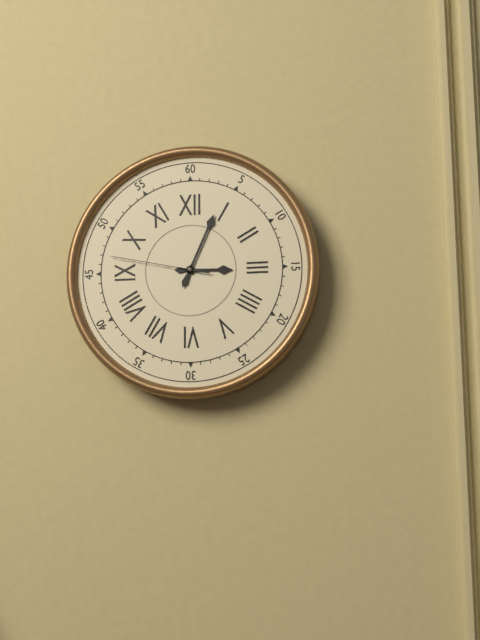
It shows 3:04:47
